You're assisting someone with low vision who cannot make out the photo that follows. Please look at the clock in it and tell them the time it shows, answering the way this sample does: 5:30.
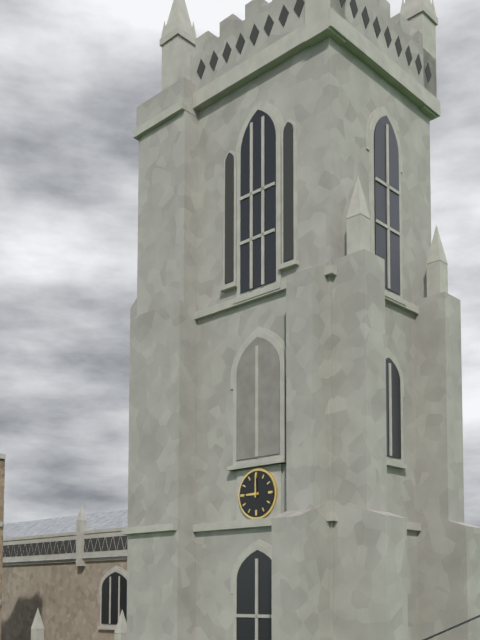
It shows 9:00
